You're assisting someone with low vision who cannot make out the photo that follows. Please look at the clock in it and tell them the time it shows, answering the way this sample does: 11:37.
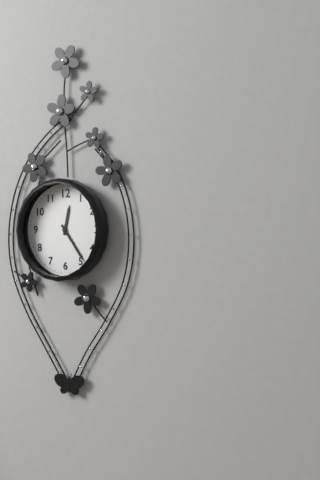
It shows 12:24
